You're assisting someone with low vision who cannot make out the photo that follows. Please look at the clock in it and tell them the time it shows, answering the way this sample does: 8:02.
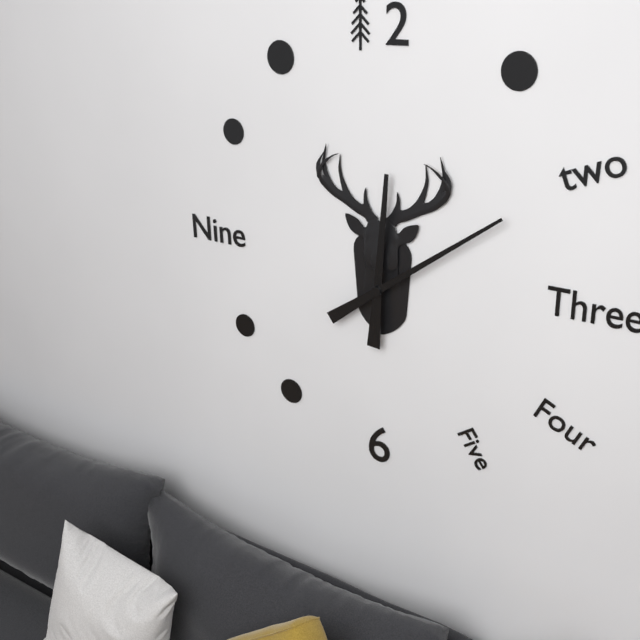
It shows 12:09
